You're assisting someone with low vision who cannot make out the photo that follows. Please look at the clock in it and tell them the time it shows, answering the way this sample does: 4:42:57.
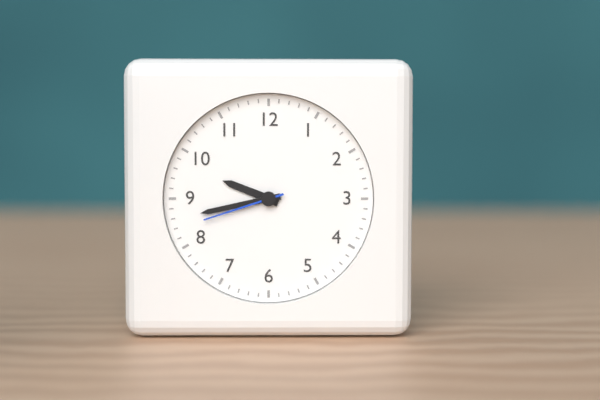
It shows 9:43:42
